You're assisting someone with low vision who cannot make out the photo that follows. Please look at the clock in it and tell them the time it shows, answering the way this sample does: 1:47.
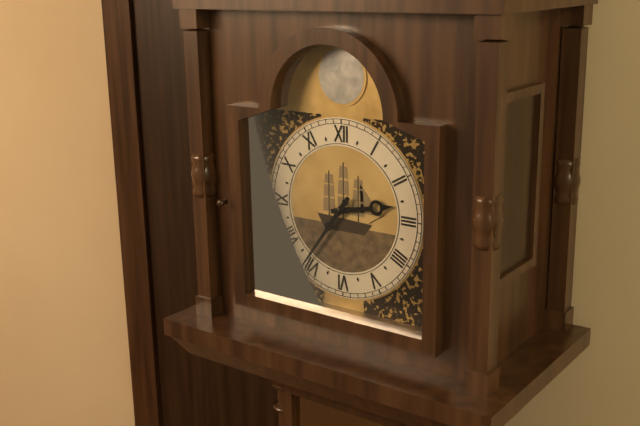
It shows 2:36
